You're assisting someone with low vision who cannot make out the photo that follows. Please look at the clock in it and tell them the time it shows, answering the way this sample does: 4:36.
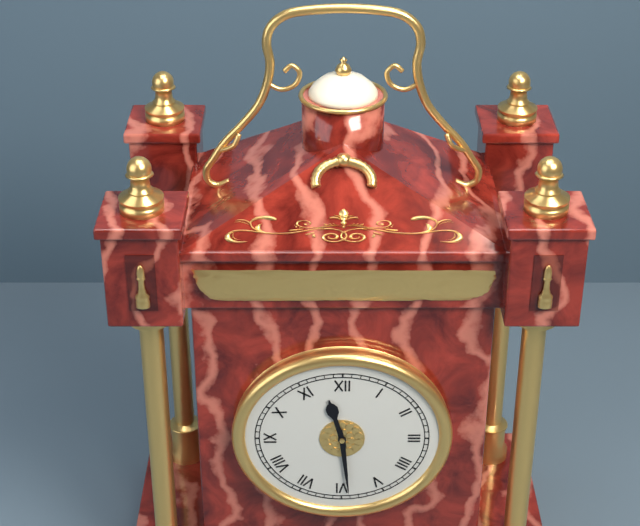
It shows 11:29
